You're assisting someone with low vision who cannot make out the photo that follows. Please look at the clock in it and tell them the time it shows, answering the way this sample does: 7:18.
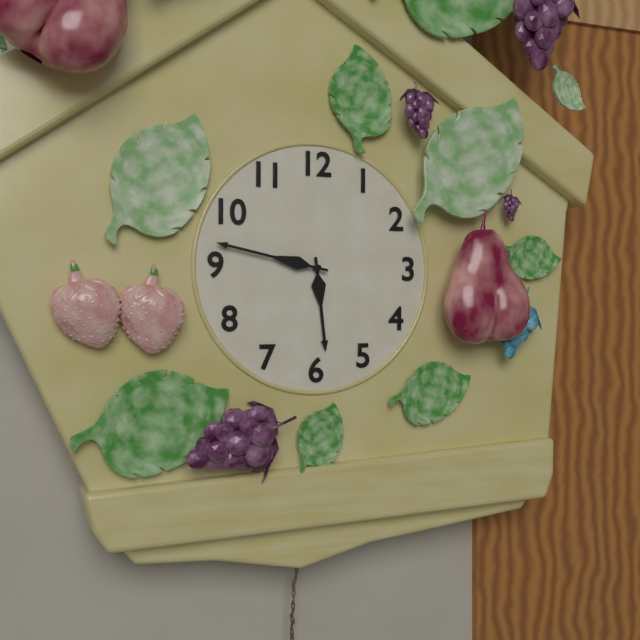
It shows 5:47
